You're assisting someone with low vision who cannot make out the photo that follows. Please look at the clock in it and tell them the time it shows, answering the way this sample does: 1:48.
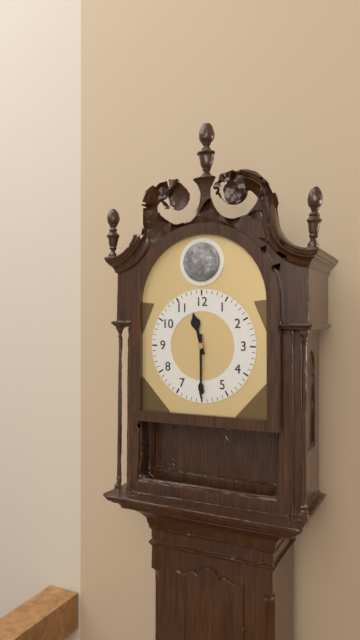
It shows 11:30
